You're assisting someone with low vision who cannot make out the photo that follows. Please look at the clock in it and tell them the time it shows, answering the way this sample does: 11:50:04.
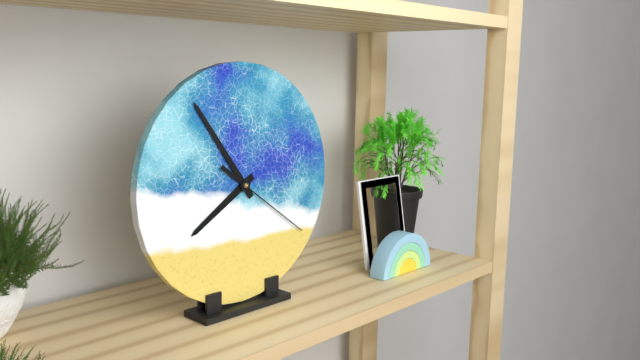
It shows 7:54:21
